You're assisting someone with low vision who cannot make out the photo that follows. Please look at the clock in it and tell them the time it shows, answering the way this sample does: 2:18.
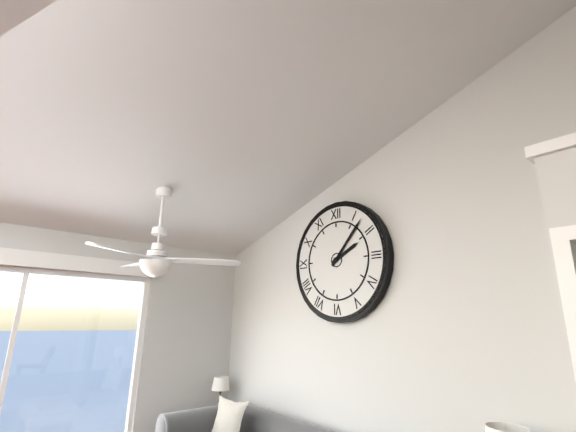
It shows 2:07
